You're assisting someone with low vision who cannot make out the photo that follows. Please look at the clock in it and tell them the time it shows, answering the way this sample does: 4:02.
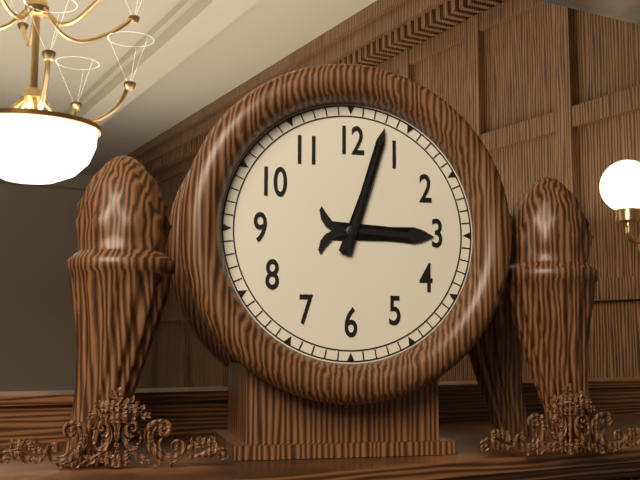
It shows 3:03
